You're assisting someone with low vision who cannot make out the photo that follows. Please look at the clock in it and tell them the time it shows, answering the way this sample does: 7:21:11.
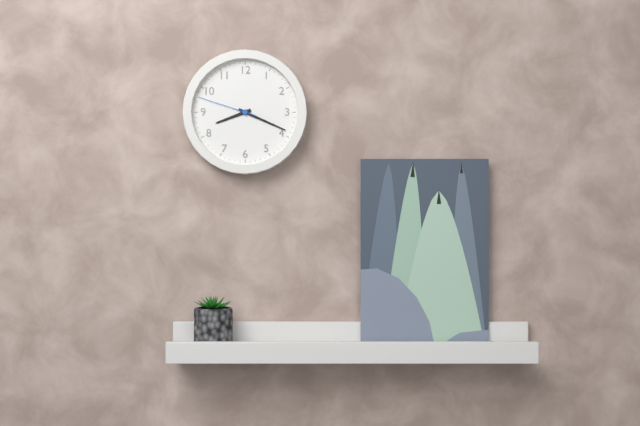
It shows 8:19:48
